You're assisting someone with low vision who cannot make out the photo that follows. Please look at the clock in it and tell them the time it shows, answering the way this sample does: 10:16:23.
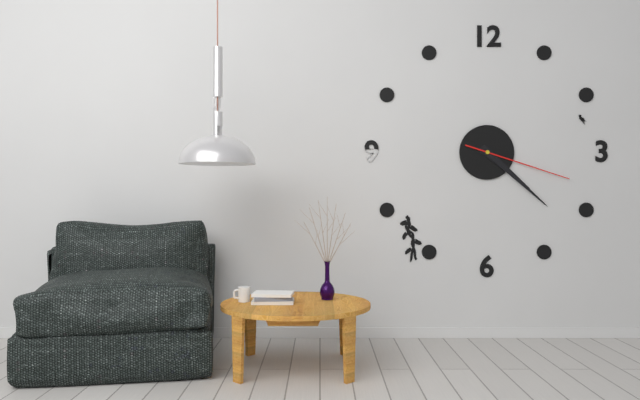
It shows 4:22:18
